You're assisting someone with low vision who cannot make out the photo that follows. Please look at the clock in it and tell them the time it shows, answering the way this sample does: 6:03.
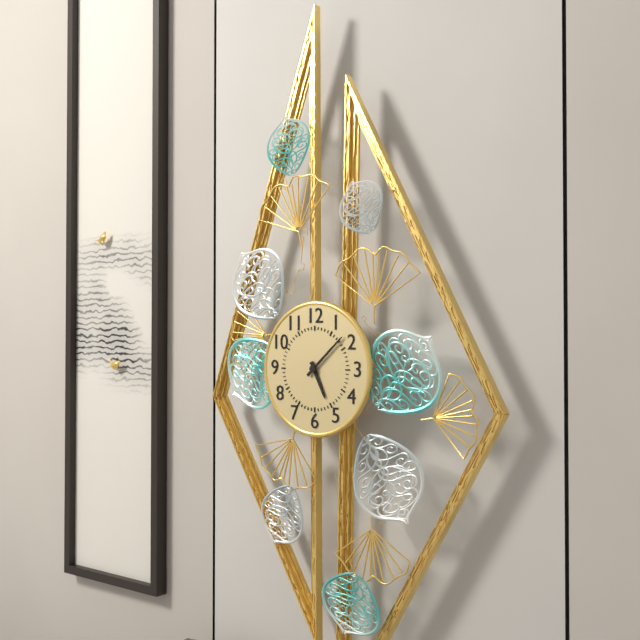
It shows 5:08
